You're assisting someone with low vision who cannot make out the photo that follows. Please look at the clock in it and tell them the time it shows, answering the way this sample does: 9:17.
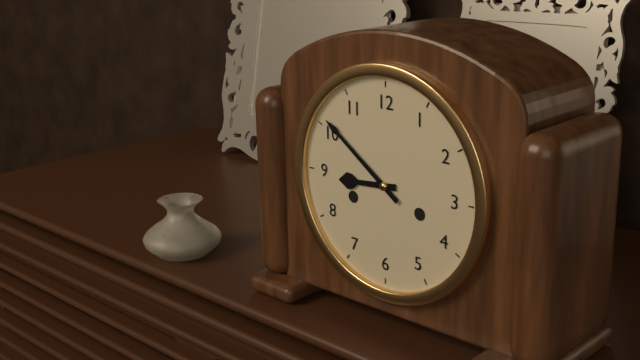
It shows 8:51
